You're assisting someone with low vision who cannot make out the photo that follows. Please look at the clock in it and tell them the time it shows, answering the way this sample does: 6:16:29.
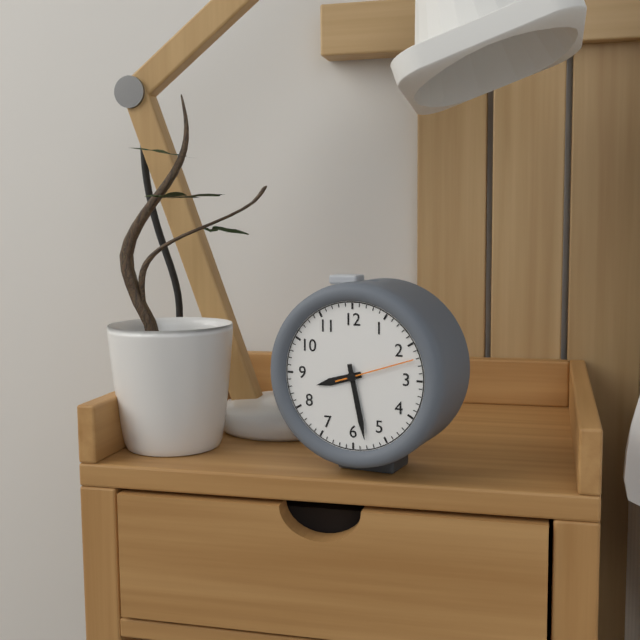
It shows 8:28:12
